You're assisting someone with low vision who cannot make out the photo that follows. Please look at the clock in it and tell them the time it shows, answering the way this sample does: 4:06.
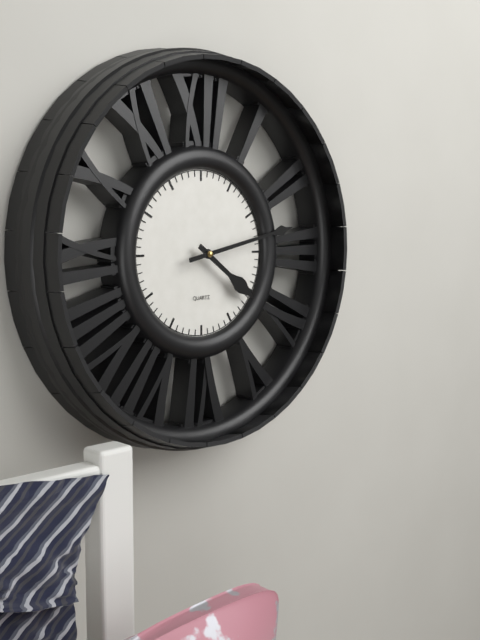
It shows 4:13
